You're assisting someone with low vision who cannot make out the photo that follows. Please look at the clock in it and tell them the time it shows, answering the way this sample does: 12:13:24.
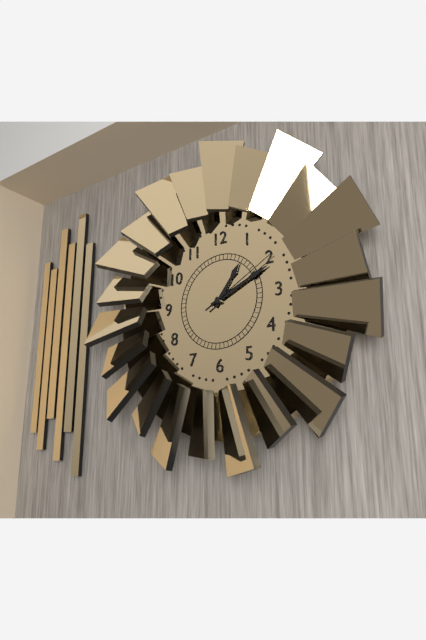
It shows 1:11:10
